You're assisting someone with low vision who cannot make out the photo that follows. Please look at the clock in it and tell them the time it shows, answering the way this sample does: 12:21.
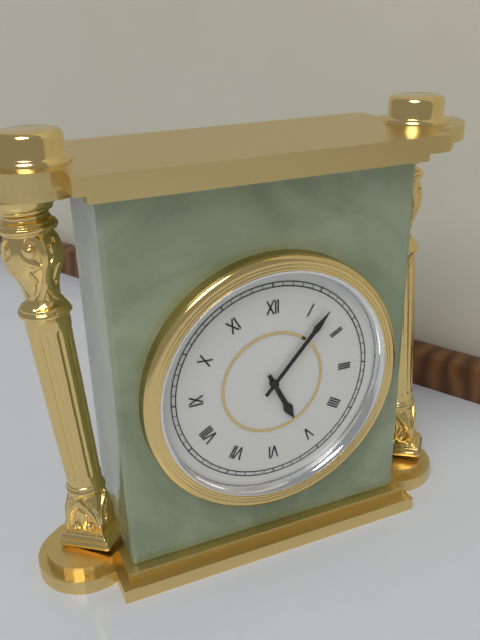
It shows 5:07
